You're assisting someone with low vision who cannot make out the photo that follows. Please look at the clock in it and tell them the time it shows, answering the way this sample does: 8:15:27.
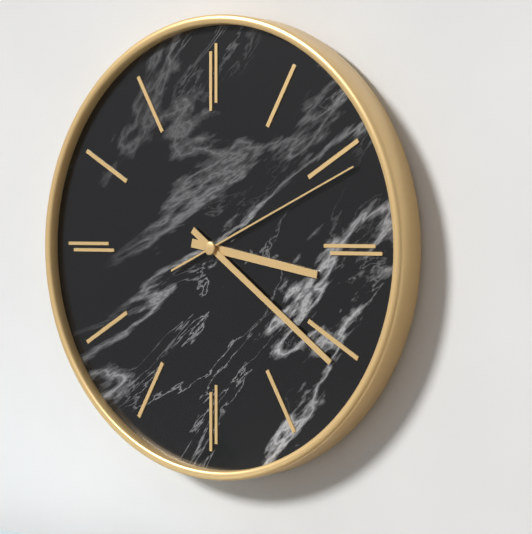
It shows 3:21:11
